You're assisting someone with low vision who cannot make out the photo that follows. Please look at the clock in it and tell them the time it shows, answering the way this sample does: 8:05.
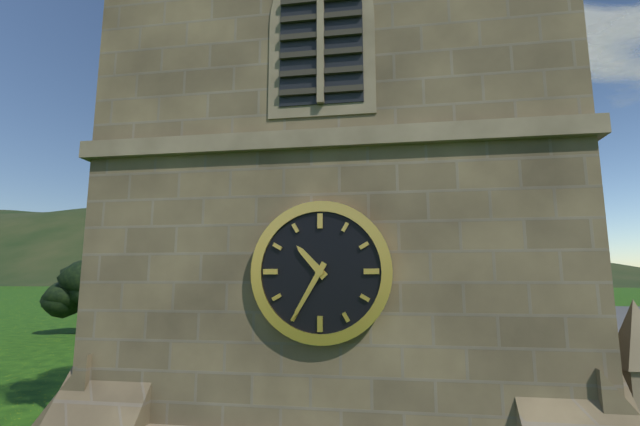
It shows 10:35
